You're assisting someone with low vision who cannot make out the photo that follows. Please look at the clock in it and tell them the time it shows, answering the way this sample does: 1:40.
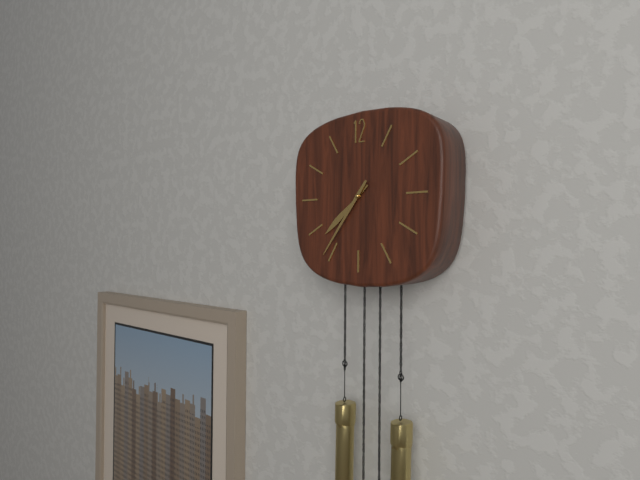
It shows 7:36
